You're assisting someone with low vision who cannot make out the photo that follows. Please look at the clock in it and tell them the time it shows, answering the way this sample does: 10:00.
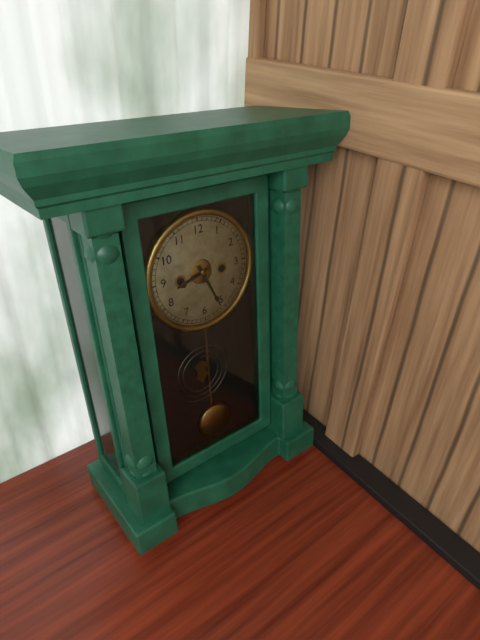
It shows 8:26
